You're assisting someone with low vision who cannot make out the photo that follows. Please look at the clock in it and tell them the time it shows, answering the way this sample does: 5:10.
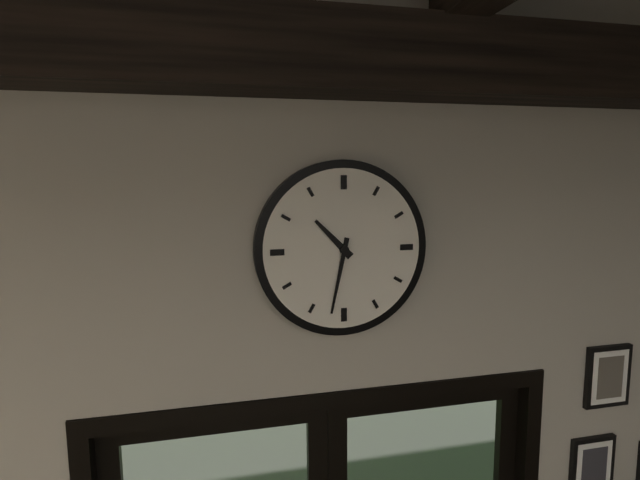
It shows 10:32
